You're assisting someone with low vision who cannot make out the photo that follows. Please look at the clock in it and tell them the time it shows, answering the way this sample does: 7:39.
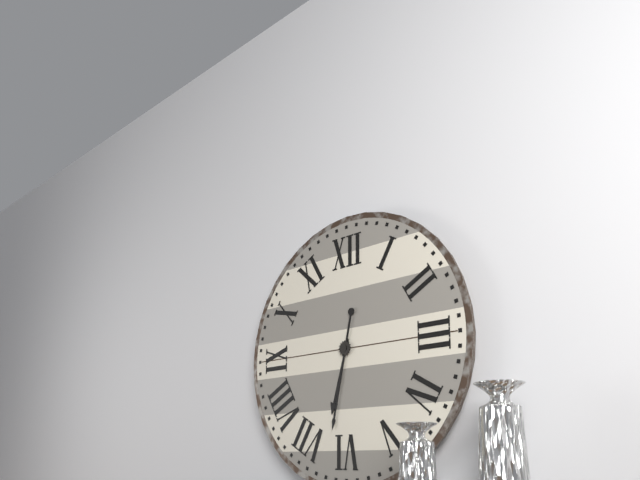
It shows 6:32
